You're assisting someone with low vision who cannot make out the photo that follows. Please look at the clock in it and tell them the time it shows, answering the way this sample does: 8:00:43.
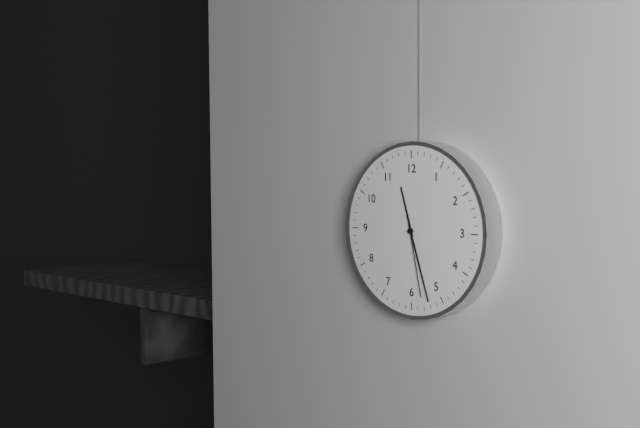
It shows 11:27:28
